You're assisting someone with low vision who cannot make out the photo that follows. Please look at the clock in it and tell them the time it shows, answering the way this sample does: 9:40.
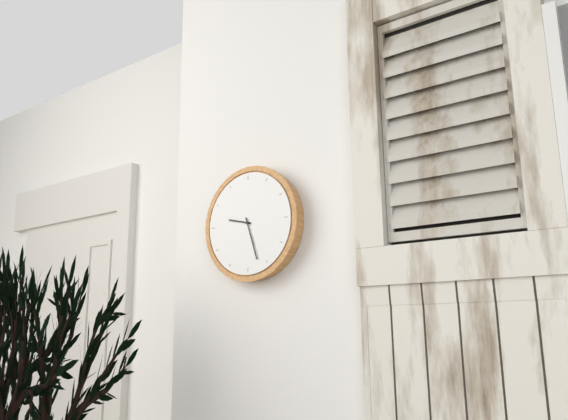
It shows 9:27
